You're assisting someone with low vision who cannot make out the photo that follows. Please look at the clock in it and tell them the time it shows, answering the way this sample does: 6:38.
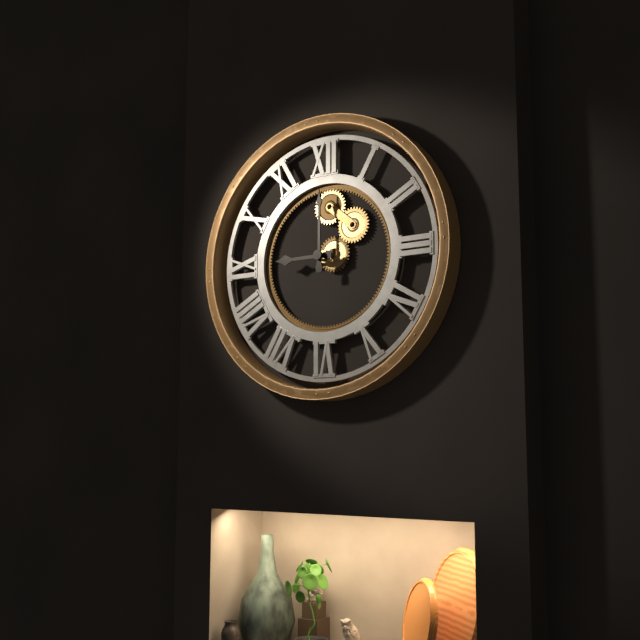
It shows 9:00
